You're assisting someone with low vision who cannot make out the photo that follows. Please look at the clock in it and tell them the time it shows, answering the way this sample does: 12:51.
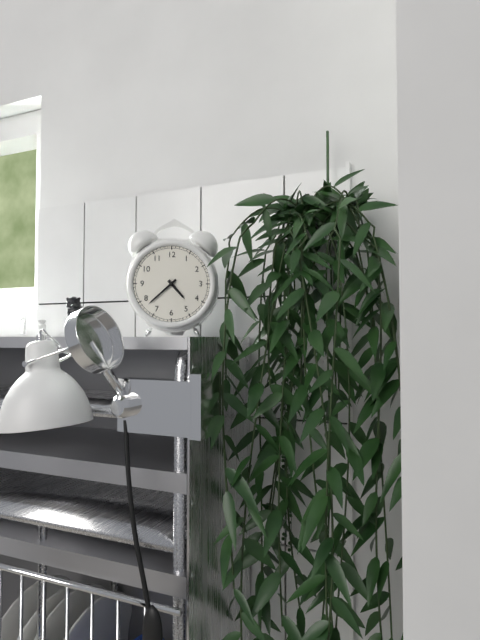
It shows 4:38
